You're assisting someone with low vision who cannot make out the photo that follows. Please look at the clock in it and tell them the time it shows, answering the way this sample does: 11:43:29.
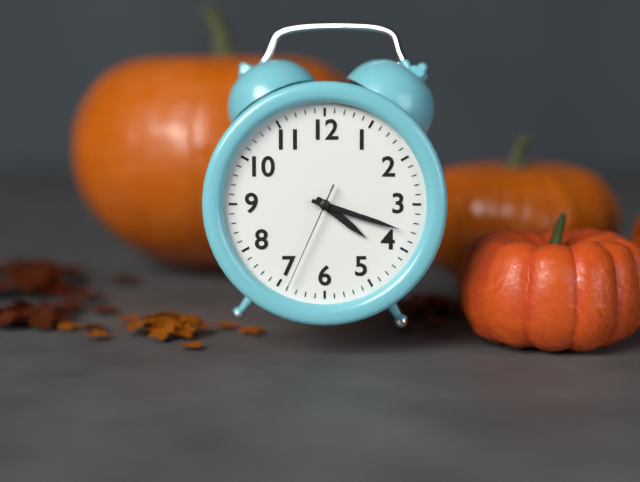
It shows 4:18:34
